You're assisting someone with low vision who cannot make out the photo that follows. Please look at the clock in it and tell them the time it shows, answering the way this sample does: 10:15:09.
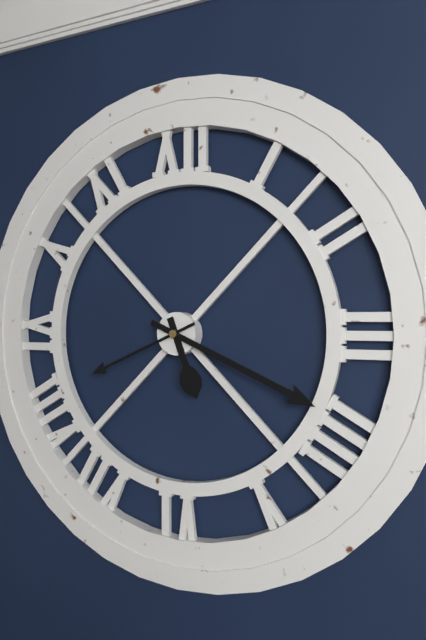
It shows 5:19:41
